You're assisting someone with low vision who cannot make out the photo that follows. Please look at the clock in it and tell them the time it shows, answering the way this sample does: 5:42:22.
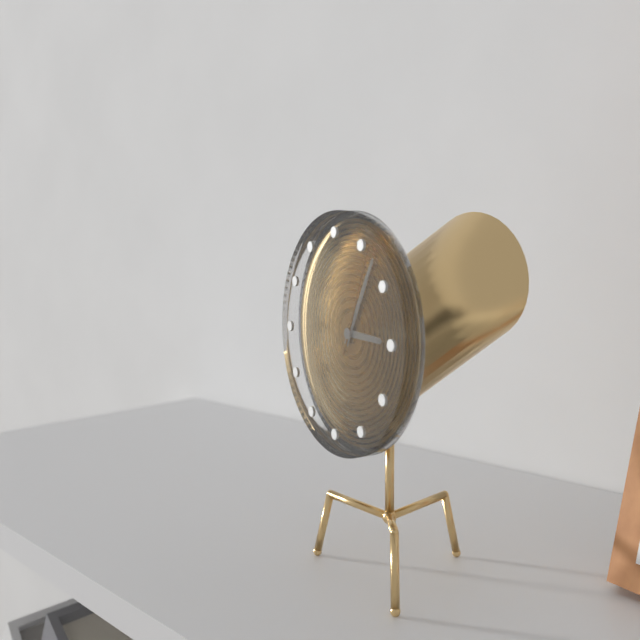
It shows 3:05:04
